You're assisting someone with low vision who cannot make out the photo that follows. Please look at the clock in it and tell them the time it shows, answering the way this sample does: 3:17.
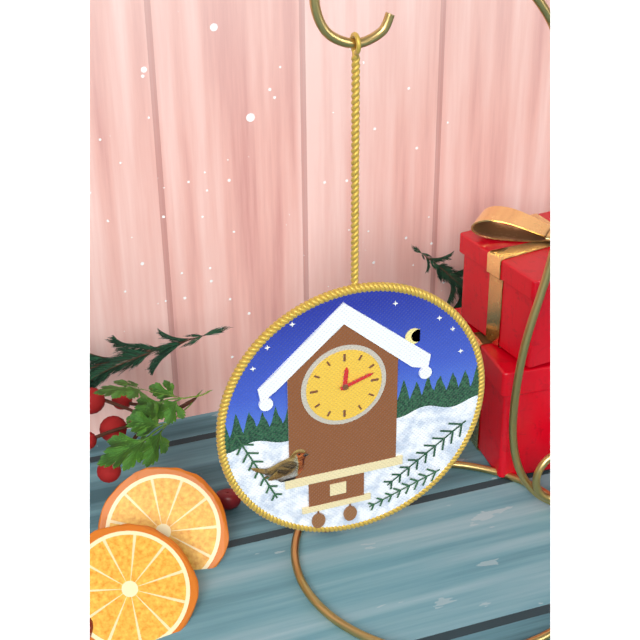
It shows 12:12
